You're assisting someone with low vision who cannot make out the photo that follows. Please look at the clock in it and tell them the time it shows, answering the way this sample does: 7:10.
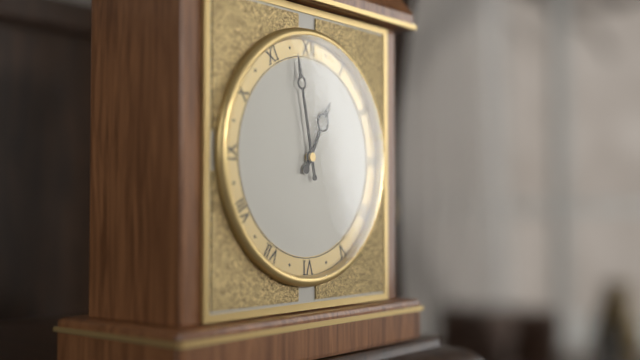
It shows 12:58
